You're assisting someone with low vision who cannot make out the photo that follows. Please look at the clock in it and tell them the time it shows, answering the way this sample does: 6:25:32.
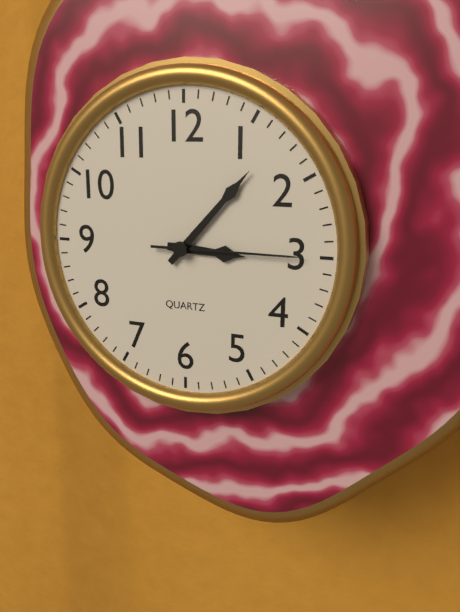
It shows 3:07:15
